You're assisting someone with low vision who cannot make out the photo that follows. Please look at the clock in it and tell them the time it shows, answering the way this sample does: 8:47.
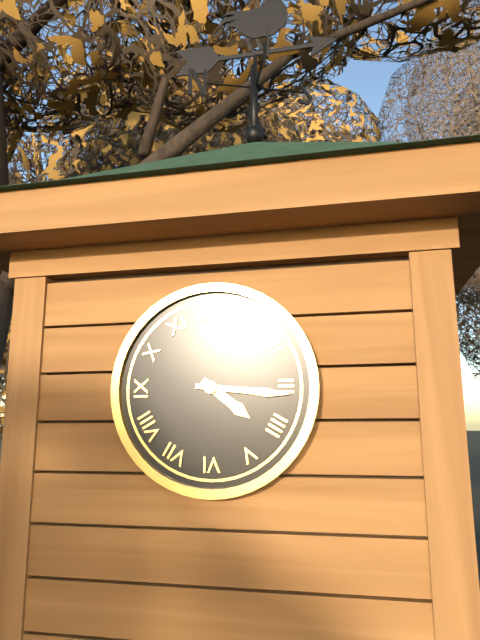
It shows 4:16
